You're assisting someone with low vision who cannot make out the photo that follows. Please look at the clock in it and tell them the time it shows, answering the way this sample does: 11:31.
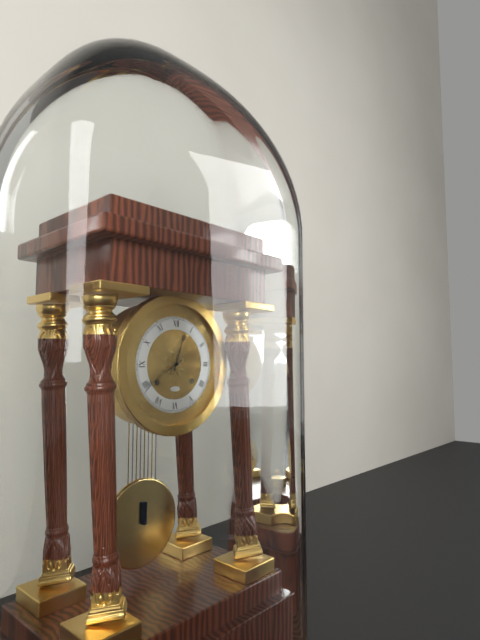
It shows 12:40
